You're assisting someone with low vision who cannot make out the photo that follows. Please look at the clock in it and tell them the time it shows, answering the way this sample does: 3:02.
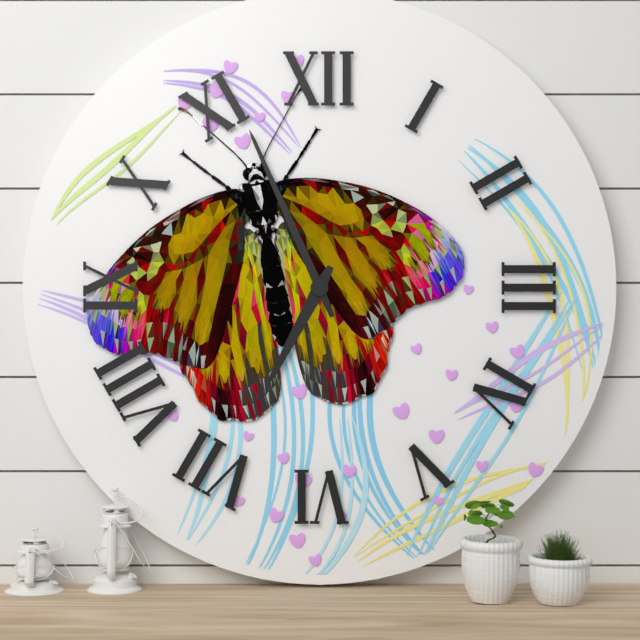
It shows 6:56
